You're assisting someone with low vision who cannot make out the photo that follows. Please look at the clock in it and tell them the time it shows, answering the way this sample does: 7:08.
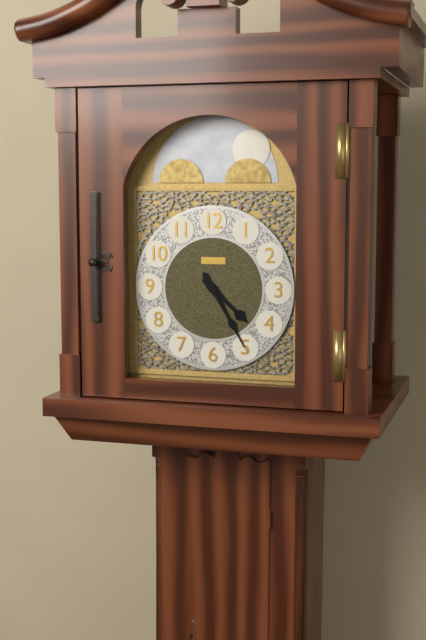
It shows 4:25
